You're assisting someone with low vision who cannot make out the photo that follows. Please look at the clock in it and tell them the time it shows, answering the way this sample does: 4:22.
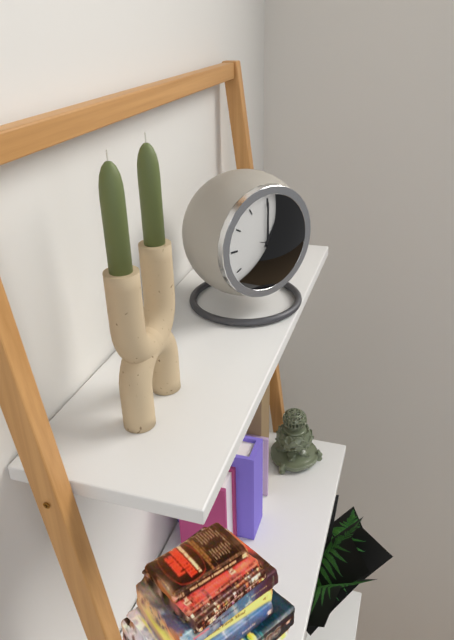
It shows 1:00
